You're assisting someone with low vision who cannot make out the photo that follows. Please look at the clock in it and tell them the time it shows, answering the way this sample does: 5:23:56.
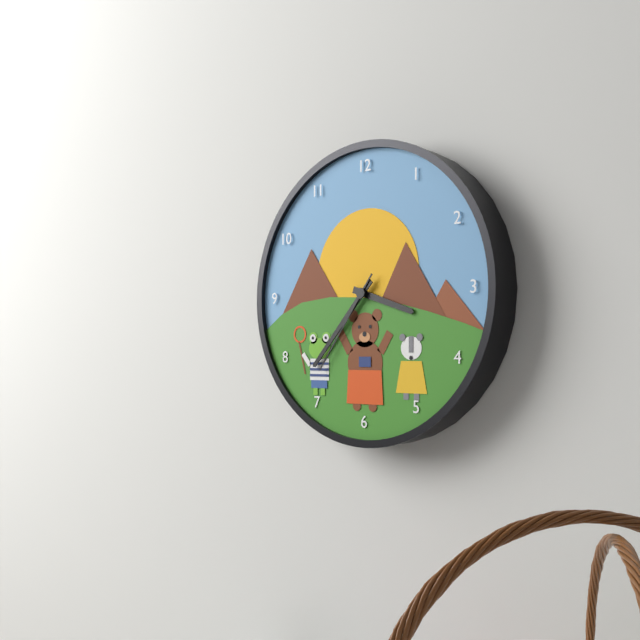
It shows 3:37:36
